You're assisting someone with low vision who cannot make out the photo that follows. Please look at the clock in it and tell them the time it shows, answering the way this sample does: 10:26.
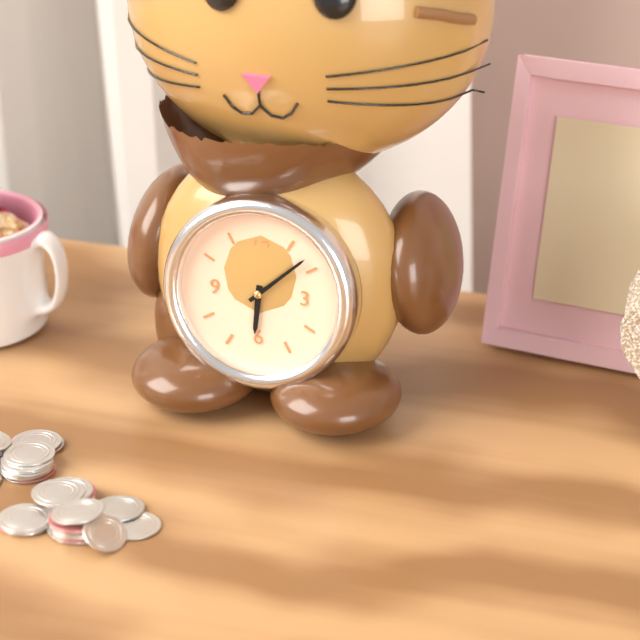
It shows 6:08
